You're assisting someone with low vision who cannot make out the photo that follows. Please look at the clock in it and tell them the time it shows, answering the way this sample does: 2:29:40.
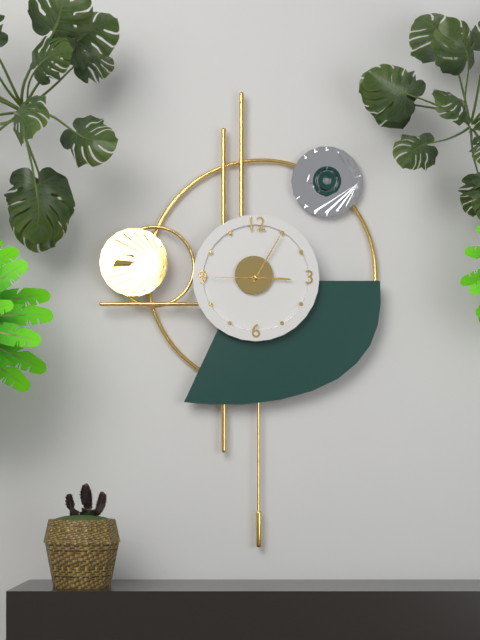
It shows 3:05:45
